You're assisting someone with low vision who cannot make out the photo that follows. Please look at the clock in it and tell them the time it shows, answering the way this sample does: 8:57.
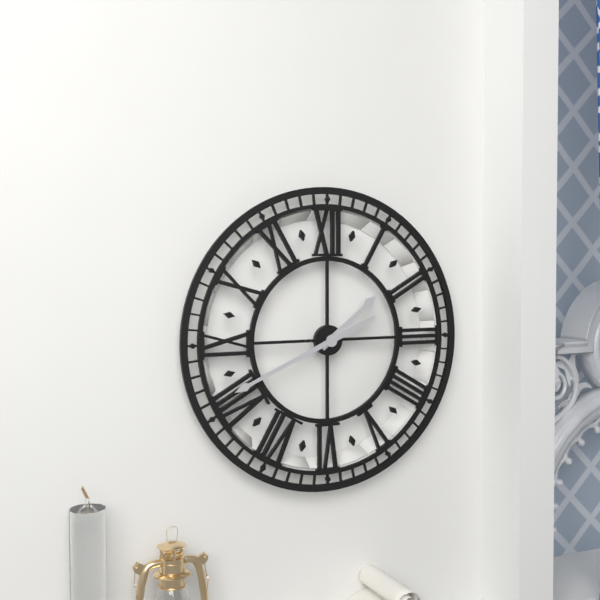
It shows 1:41
